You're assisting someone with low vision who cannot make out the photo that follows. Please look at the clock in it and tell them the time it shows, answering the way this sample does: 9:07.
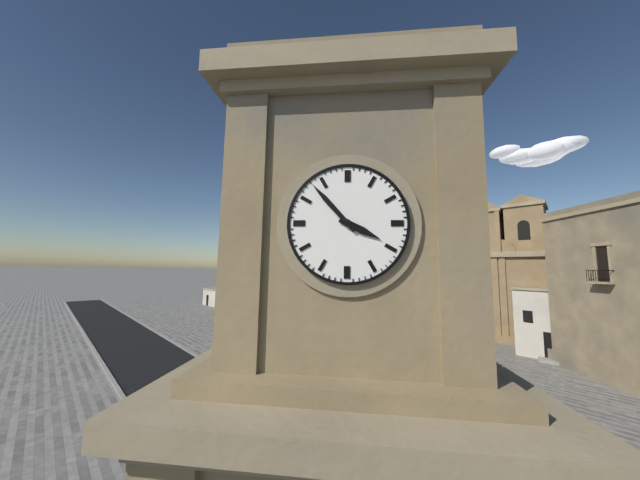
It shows 3:53
